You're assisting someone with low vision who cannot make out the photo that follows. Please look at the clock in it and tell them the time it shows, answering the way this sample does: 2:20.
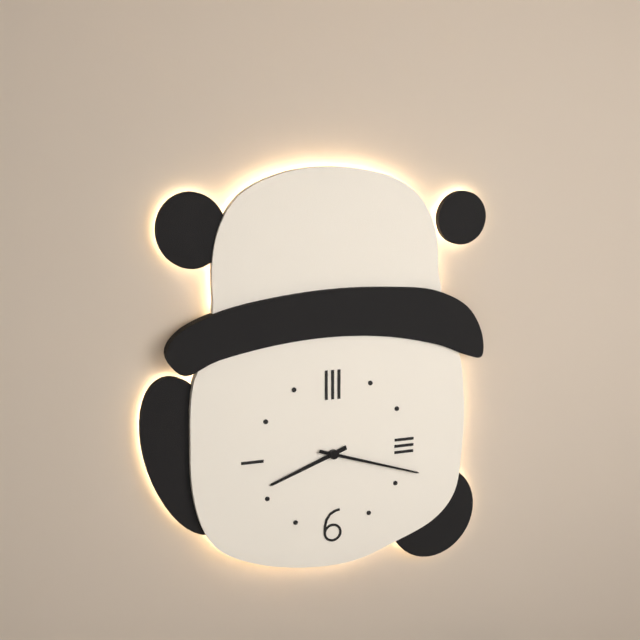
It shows 8:18
